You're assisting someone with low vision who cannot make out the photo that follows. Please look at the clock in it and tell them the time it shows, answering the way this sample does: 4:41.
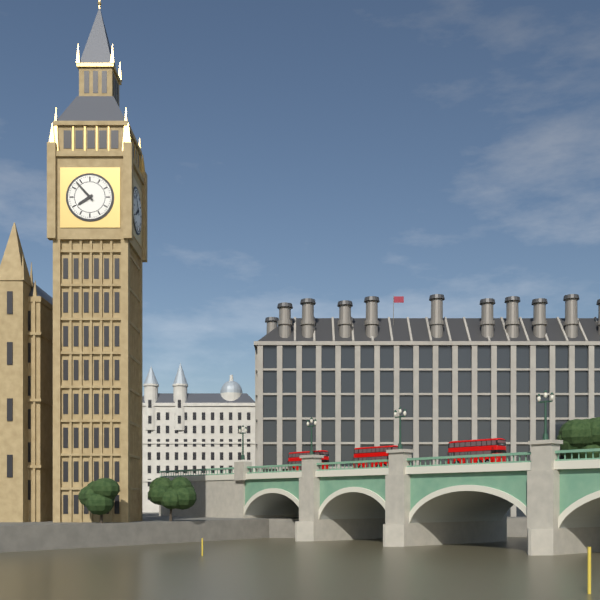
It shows 7:53
